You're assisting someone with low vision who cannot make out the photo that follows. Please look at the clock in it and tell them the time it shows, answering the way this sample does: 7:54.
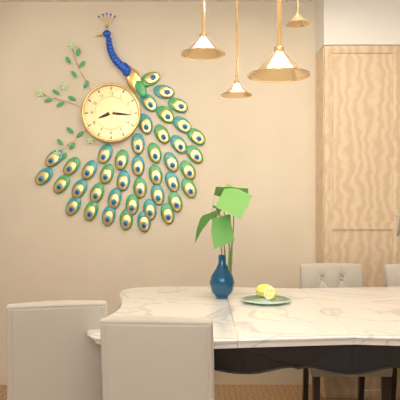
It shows 8:16
